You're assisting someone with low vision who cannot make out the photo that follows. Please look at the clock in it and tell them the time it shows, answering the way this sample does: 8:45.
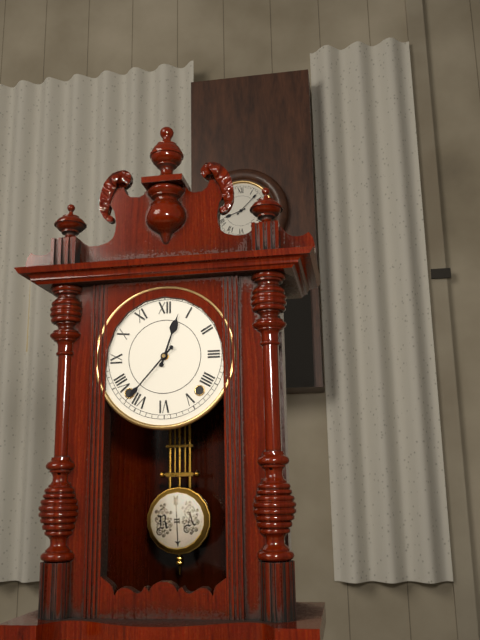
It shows 12:37
